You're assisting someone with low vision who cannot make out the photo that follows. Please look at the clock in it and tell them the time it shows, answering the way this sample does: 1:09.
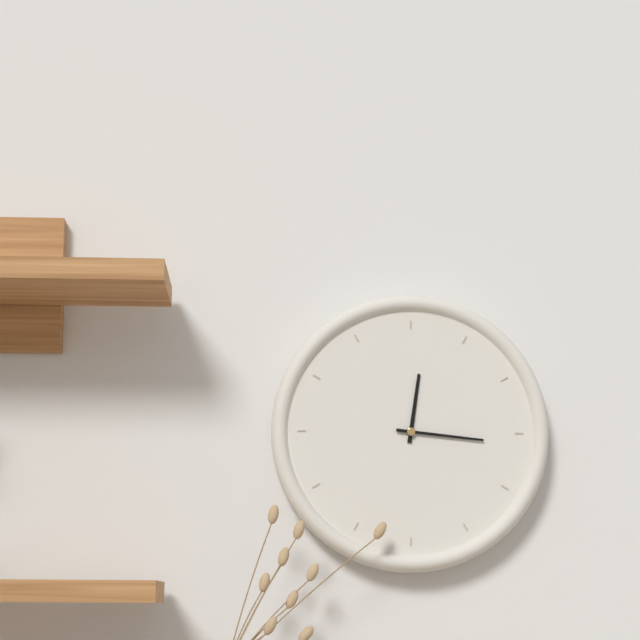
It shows 12:16
